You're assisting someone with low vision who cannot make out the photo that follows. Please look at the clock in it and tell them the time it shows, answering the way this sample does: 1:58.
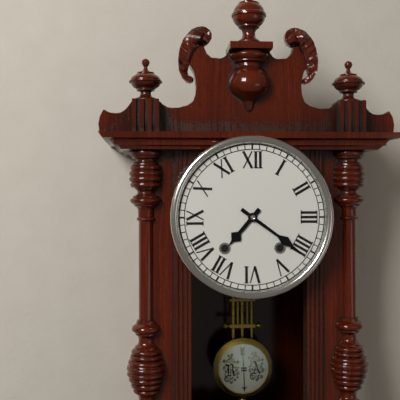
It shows 7:21
